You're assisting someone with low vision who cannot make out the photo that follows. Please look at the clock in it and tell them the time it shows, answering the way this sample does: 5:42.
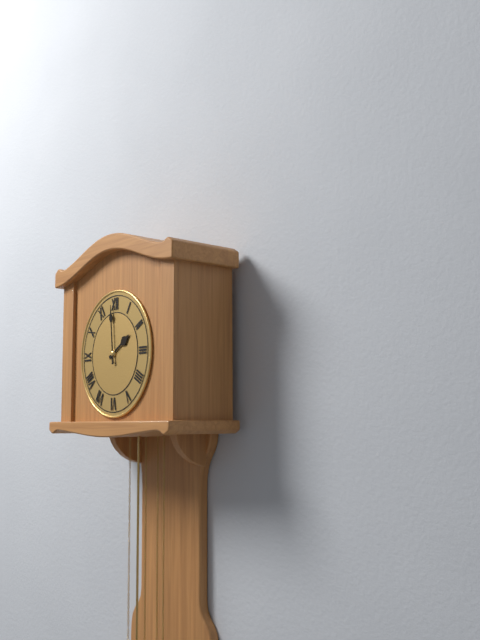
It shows 1:59
